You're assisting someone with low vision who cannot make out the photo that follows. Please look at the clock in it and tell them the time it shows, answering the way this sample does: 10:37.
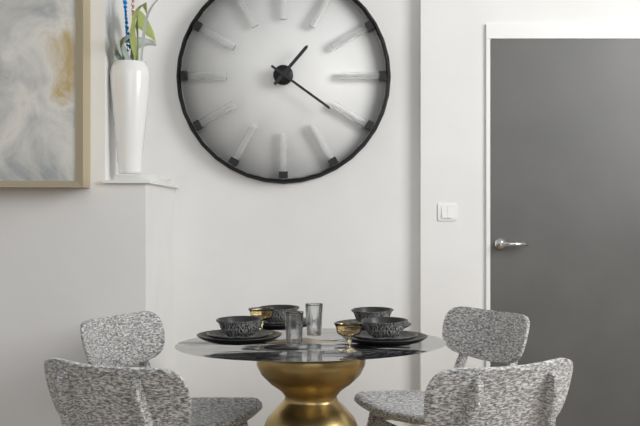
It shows 1:21
